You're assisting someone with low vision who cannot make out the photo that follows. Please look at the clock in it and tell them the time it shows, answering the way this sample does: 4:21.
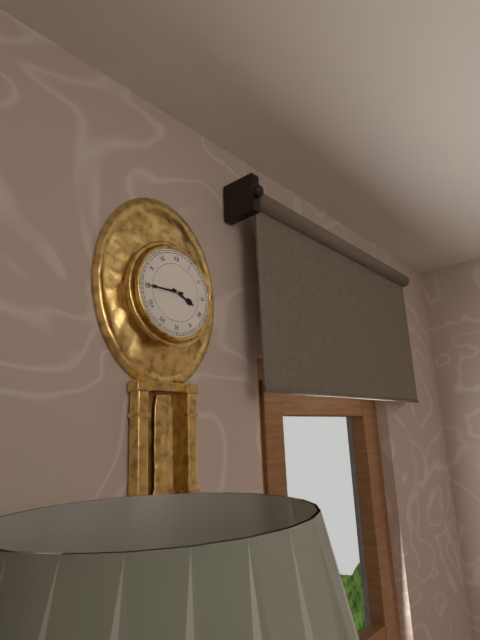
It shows 3:45
